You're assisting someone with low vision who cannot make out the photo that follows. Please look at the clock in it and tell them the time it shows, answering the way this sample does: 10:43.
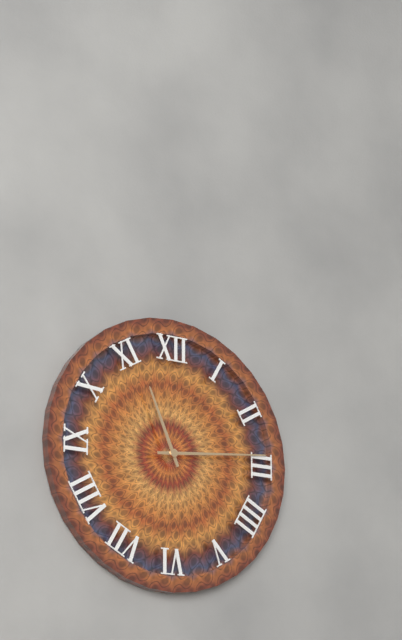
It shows 11:14
